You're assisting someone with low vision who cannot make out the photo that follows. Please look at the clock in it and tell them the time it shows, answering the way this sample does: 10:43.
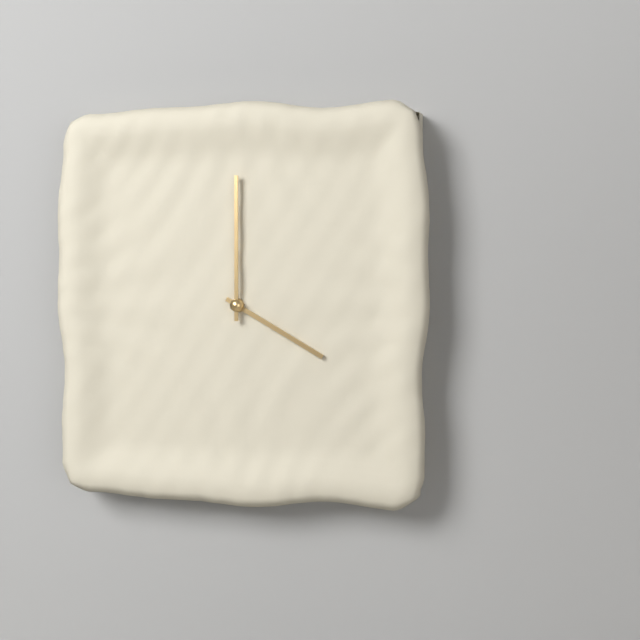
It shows 4:00
